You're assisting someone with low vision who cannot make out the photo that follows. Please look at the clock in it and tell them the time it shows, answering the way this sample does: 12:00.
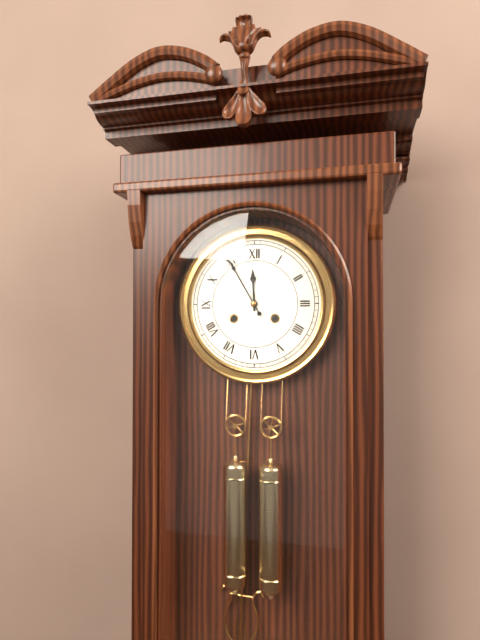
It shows 11:55
